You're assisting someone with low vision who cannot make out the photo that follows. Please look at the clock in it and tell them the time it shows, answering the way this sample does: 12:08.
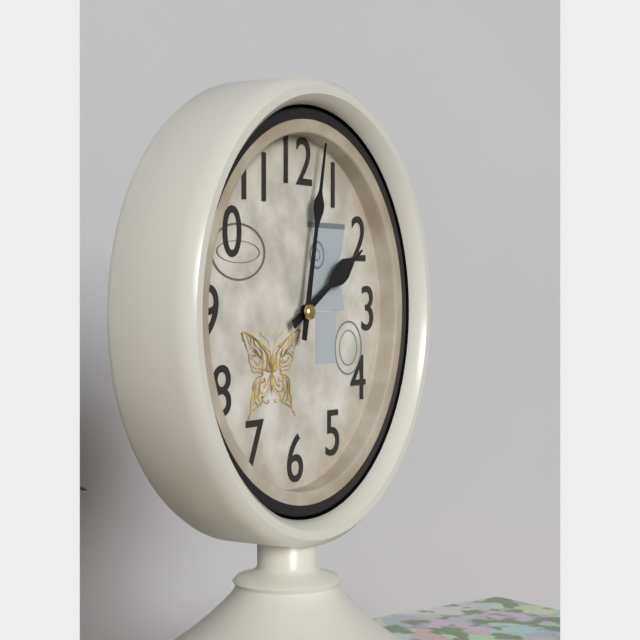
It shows 2:02
